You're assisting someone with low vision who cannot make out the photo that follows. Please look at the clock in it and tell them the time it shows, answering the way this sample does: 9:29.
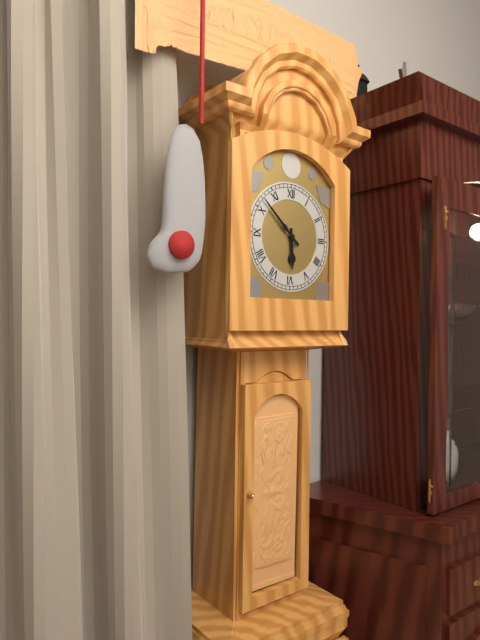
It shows 5:52
